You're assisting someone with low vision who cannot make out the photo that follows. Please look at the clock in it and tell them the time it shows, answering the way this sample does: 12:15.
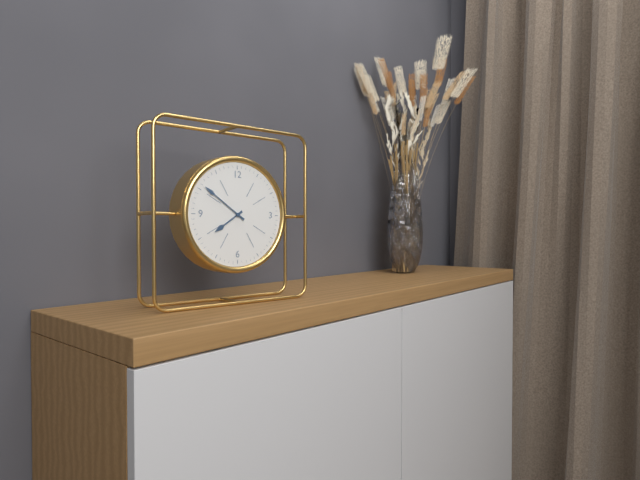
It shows 7:51
